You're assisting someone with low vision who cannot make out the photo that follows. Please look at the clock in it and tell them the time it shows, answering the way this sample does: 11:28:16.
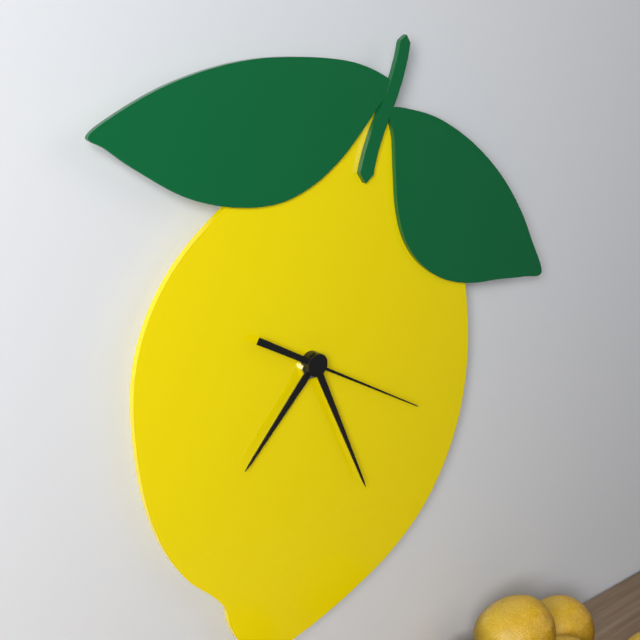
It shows 7:26:20
